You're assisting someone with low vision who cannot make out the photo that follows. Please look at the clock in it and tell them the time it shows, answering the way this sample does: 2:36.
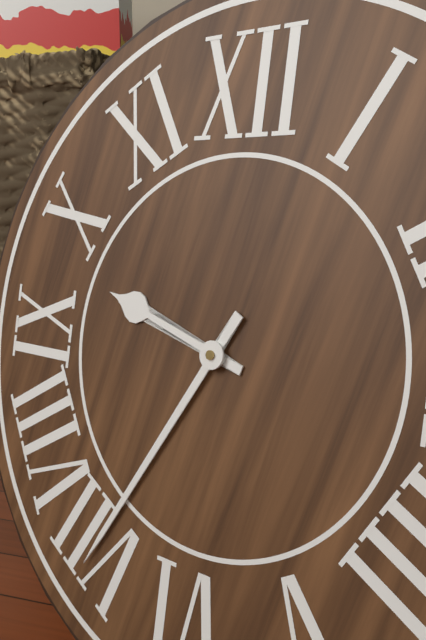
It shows 9:35
